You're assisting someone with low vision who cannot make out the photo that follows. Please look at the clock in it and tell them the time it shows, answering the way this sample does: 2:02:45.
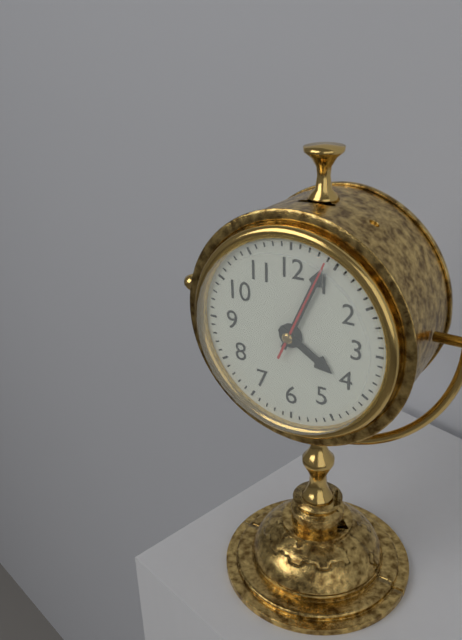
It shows 4:04:04
